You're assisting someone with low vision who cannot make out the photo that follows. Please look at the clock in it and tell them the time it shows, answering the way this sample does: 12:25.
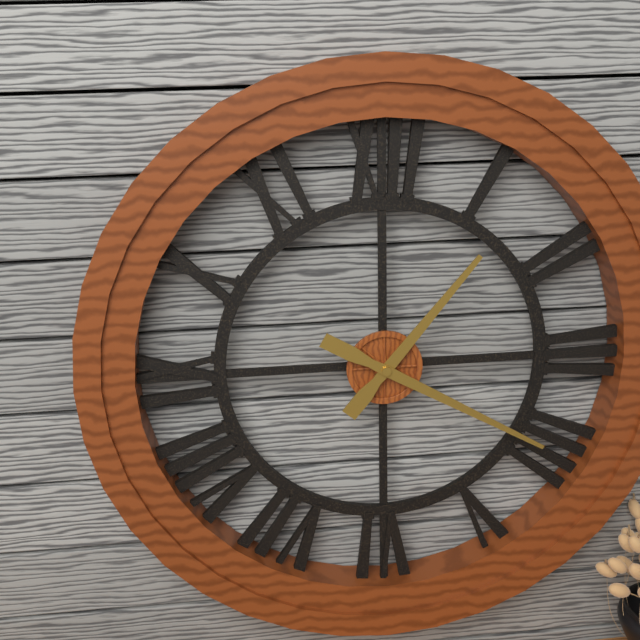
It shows 1:20
